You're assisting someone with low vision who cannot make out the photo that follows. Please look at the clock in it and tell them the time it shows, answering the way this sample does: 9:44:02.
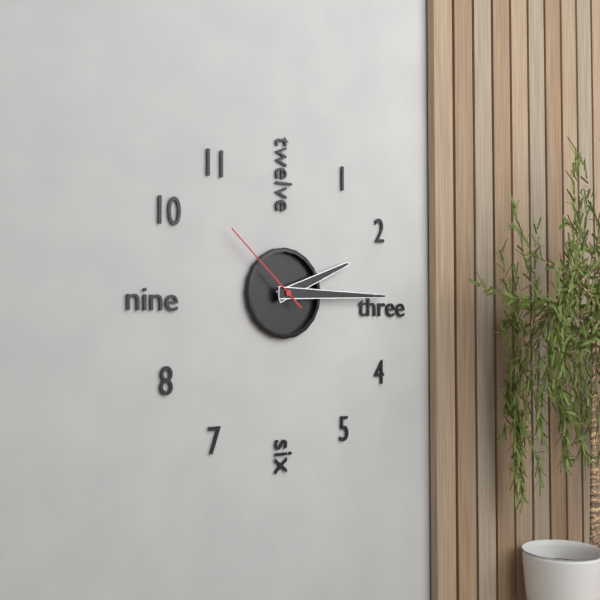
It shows 2:15:52
